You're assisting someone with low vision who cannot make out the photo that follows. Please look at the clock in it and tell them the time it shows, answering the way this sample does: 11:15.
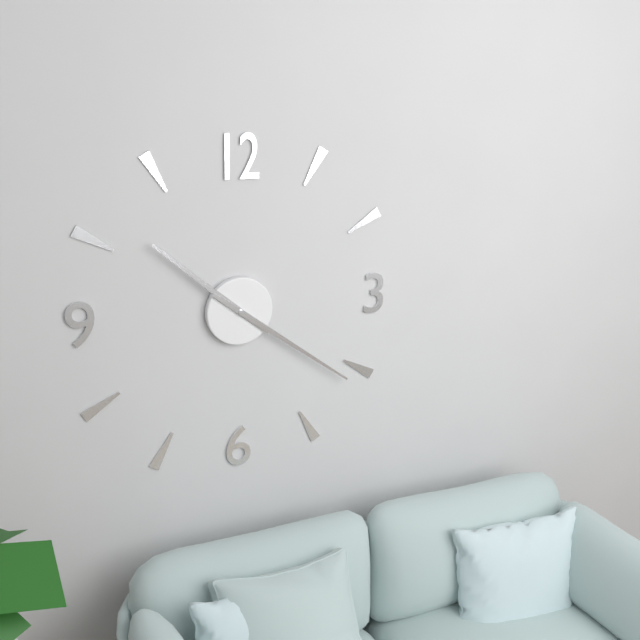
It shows 10:21
